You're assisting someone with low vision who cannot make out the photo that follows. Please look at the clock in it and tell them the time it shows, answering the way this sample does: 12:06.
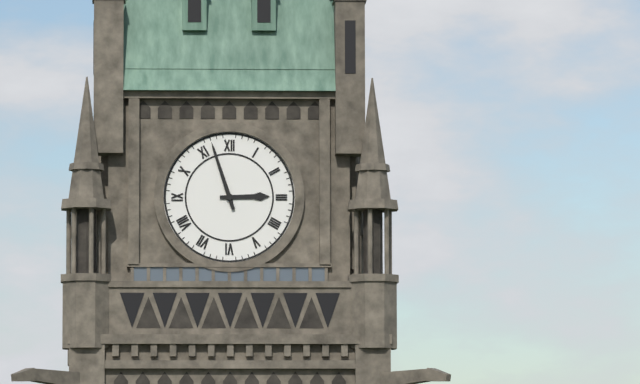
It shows 2:57
